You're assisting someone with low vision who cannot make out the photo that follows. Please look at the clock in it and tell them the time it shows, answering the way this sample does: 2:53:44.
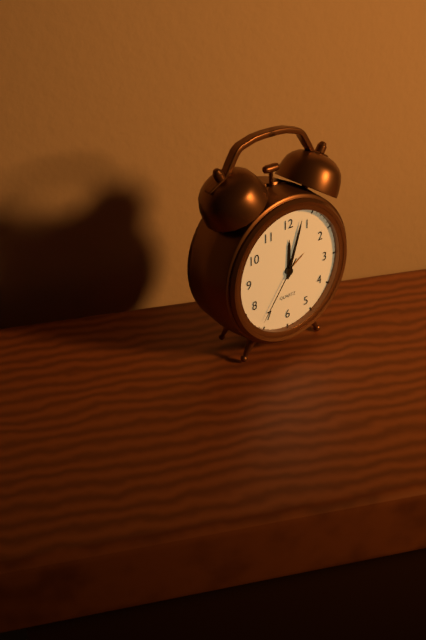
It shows 12:03:36
